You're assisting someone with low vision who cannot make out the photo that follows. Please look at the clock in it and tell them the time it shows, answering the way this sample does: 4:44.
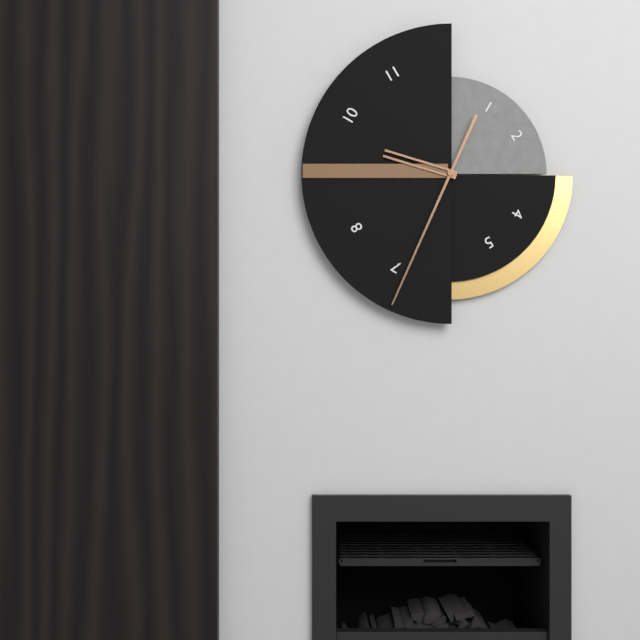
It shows 9:34
